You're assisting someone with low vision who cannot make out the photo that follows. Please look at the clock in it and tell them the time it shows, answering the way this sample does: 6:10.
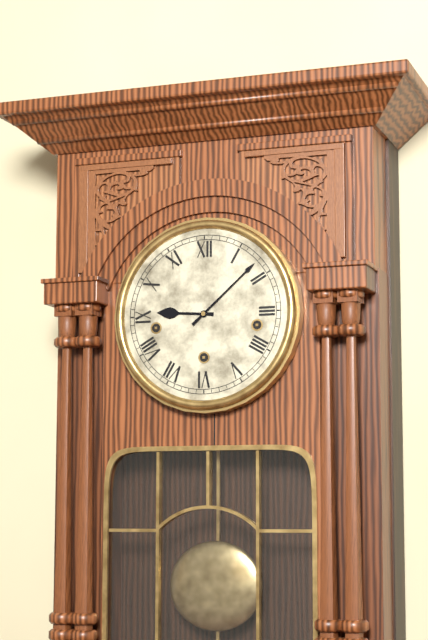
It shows 9:08
